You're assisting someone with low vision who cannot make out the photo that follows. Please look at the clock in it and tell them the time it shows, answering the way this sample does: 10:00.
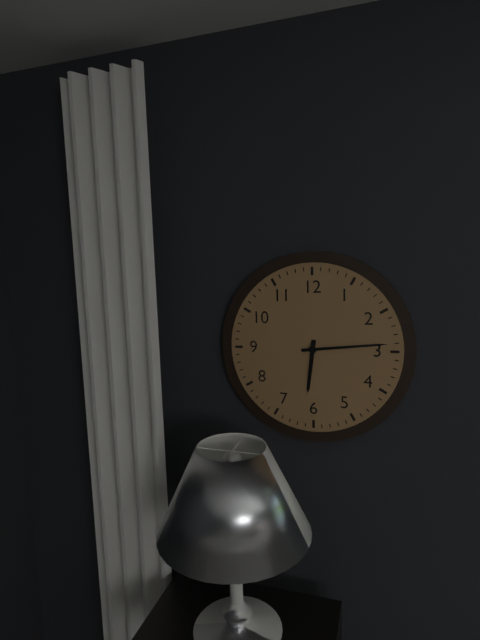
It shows 6:14
